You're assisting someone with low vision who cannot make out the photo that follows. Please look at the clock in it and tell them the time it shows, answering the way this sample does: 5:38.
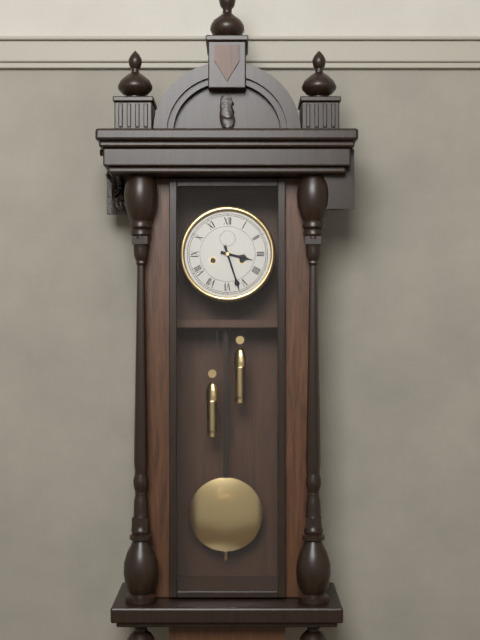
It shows 3:27
